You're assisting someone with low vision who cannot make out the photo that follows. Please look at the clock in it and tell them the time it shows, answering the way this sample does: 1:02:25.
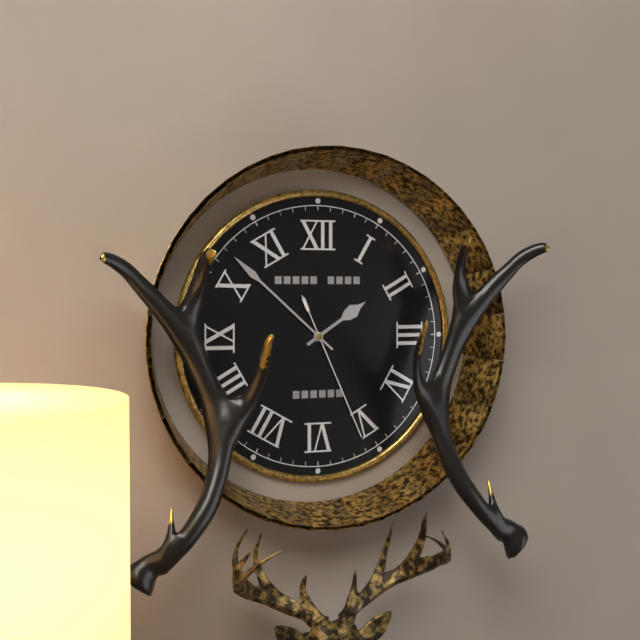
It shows 1:52:26
